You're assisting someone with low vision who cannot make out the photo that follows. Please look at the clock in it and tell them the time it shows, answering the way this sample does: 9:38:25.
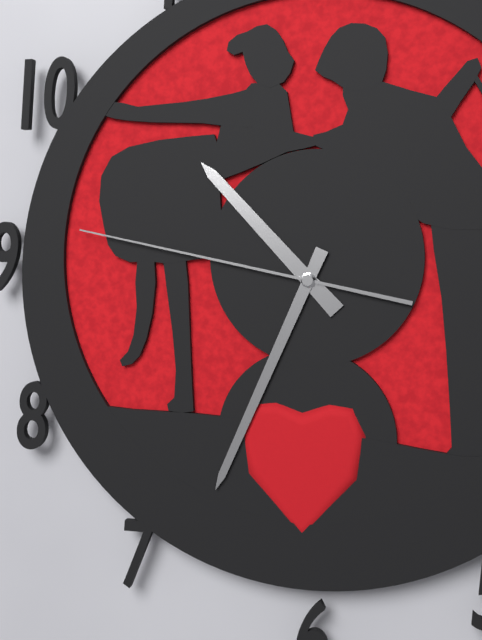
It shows 10:34:47
